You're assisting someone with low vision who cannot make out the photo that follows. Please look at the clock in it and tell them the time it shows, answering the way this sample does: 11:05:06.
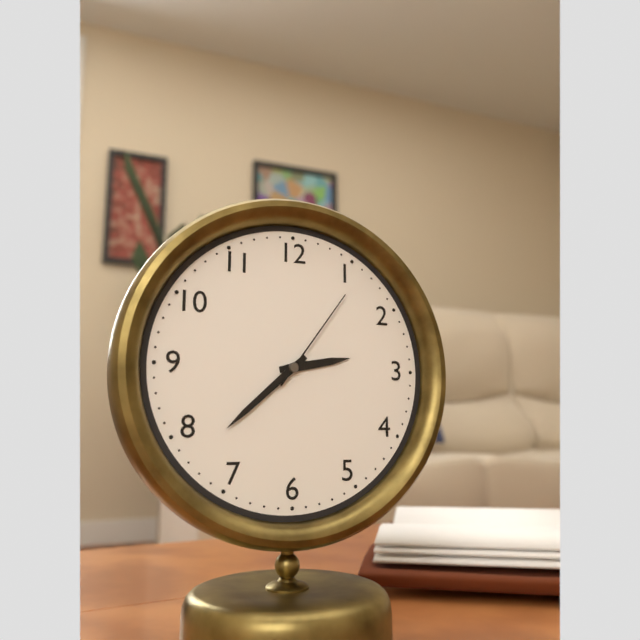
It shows 2:38:06
